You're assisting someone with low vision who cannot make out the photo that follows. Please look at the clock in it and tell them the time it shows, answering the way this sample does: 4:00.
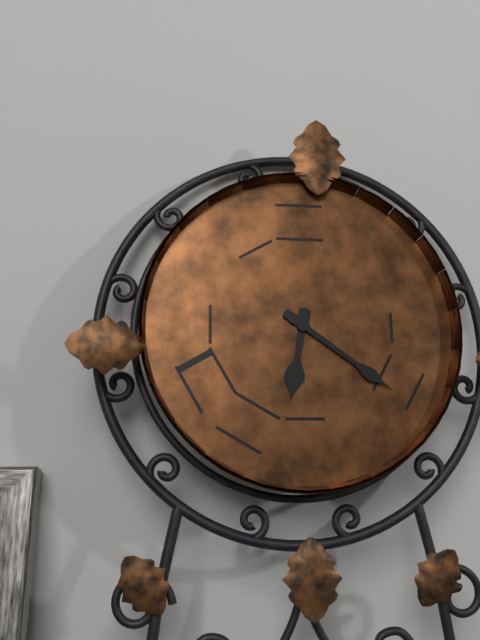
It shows 6:21
